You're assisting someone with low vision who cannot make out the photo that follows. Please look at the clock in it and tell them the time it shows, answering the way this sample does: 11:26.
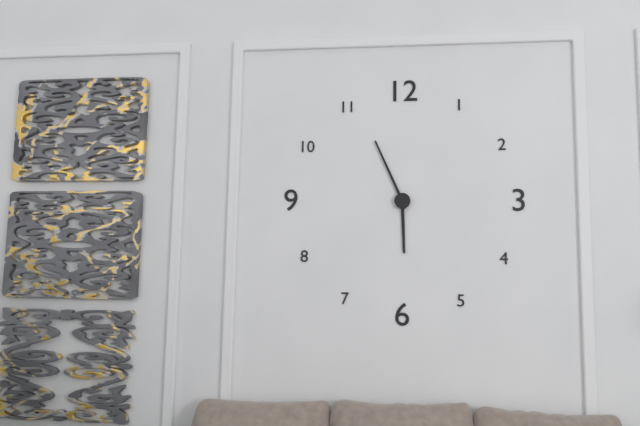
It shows 5:56
